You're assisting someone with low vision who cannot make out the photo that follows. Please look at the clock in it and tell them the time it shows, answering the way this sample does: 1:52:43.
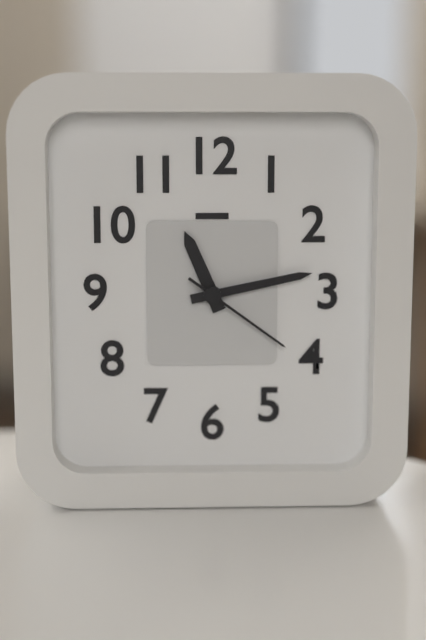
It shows 11:13:21
